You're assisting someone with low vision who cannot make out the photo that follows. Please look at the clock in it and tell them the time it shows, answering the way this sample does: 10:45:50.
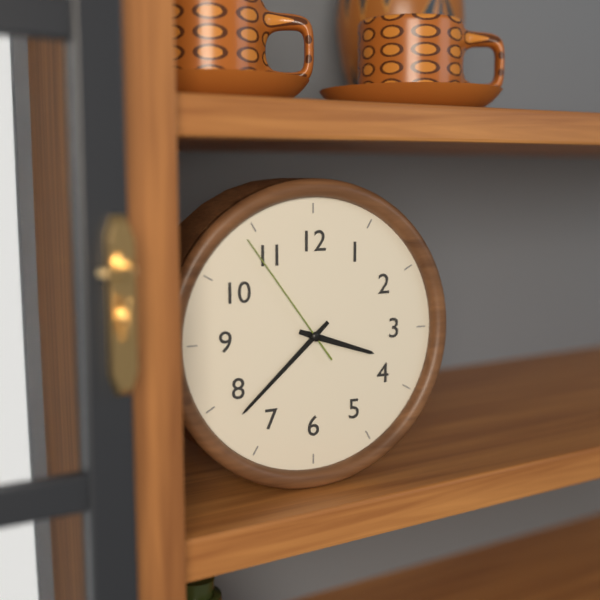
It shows 3:38:54
